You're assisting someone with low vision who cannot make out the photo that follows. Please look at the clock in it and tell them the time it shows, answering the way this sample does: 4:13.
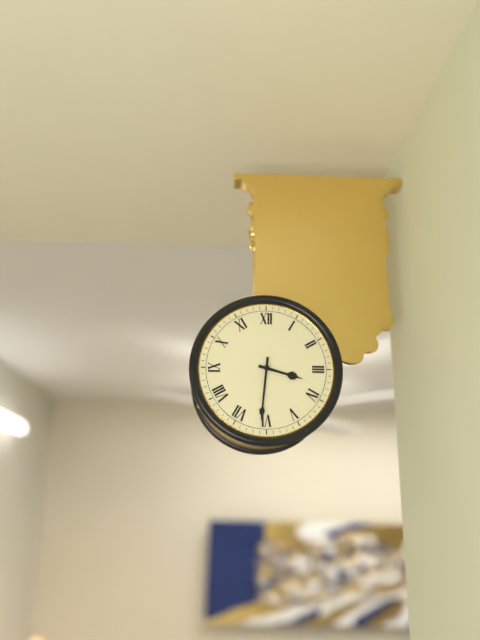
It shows 3:31
